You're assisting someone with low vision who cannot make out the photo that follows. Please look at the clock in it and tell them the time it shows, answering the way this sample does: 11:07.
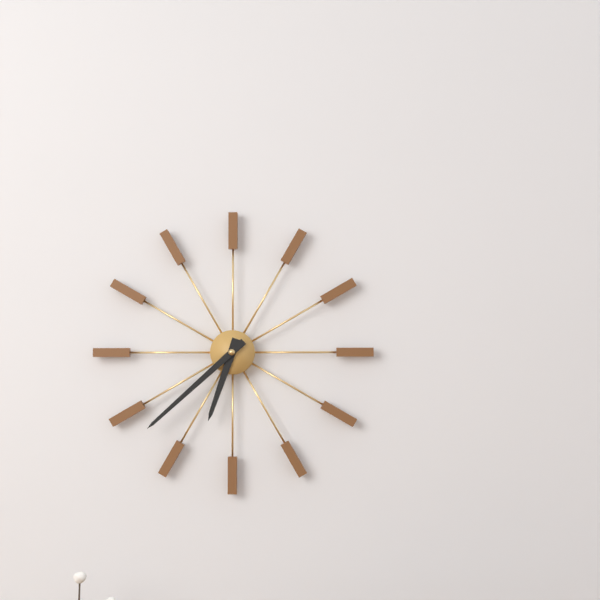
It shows 6:38
